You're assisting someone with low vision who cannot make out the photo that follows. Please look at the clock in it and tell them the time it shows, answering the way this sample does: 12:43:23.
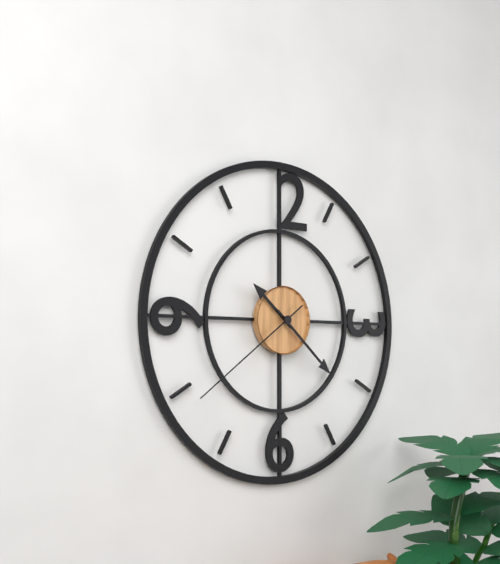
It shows 10:22:39
